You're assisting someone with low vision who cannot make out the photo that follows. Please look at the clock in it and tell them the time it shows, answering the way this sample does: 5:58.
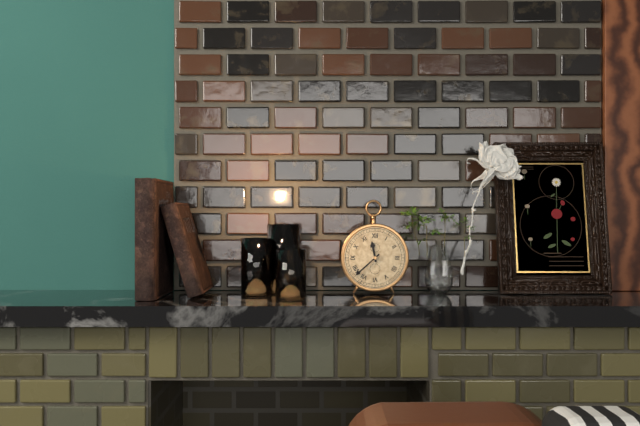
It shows 11:38
